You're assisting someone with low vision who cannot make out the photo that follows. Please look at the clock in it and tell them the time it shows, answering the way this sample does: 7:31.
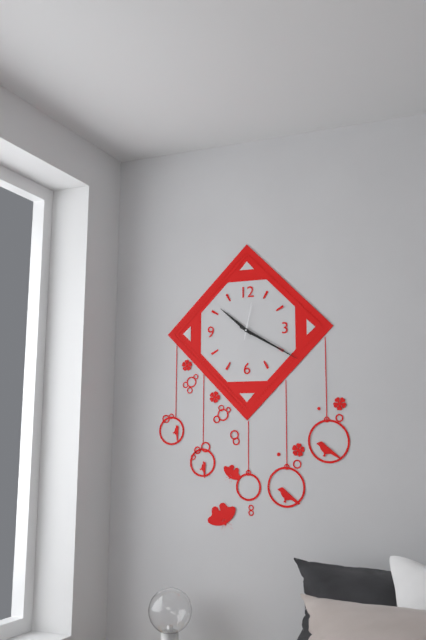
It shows 10:20
